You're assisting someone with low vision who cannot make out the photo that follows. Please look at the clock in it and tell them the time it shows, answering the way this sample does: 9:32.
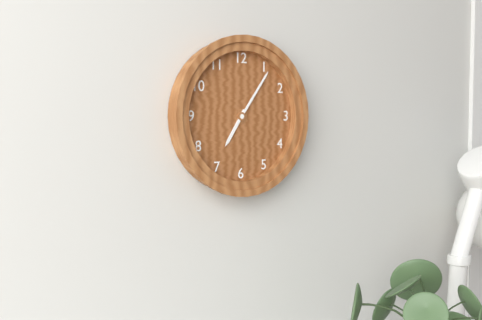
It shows 7:06
